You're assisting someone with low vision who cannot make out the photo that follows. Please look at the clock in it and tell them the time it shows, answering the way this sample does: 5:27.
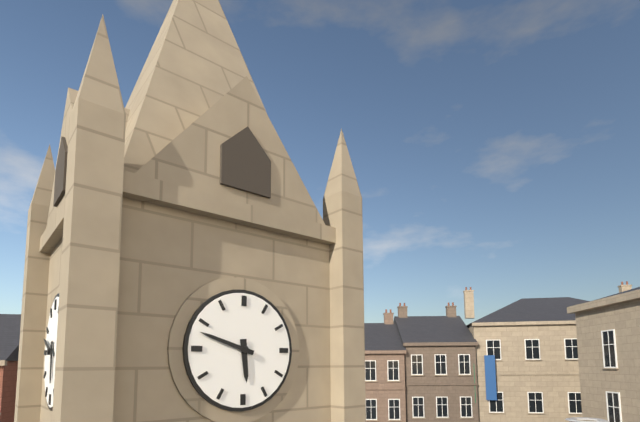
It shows 5:48
